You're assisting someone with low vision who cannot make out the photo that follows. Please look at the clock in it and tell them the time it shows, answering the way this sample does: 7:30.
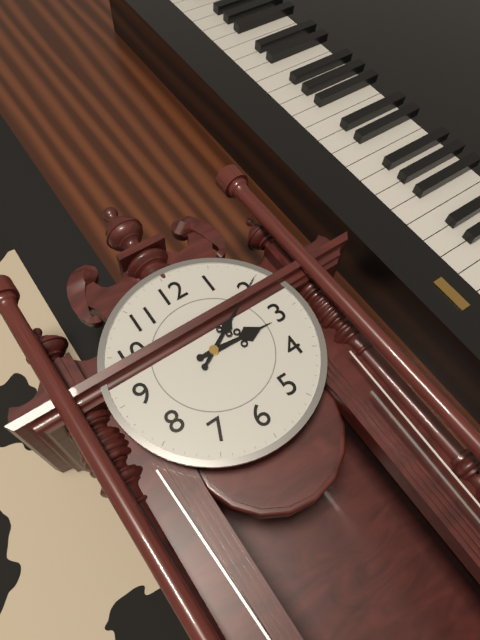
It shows 3:10
